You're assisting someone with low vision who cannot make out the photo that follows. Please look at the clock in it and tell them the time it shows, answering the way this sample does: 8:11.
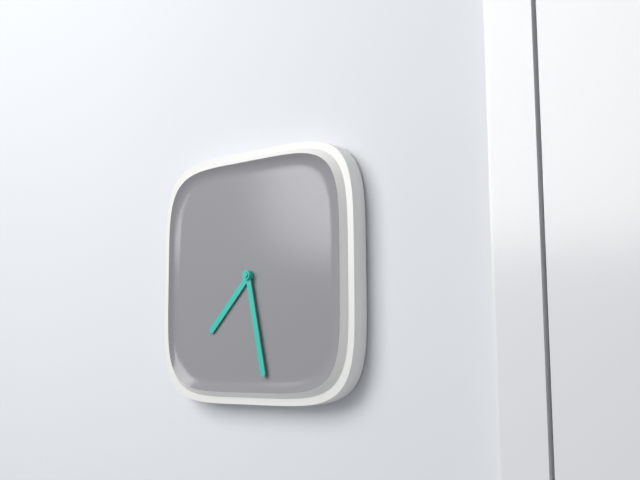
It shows 7:28
